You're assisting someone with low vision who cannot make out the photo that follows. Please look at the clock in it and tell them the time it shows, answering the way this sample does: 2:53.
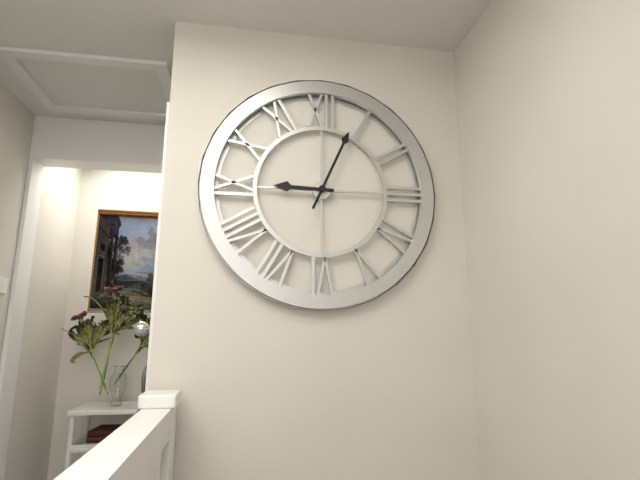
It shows 9:04
